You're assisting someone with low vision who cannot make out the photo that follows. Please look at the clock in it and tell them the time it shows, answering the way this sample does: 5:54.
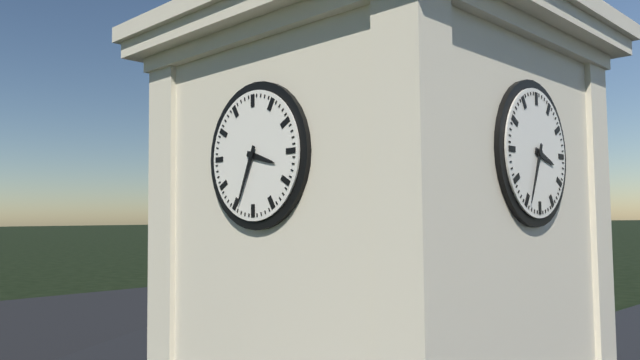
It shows 3:34
